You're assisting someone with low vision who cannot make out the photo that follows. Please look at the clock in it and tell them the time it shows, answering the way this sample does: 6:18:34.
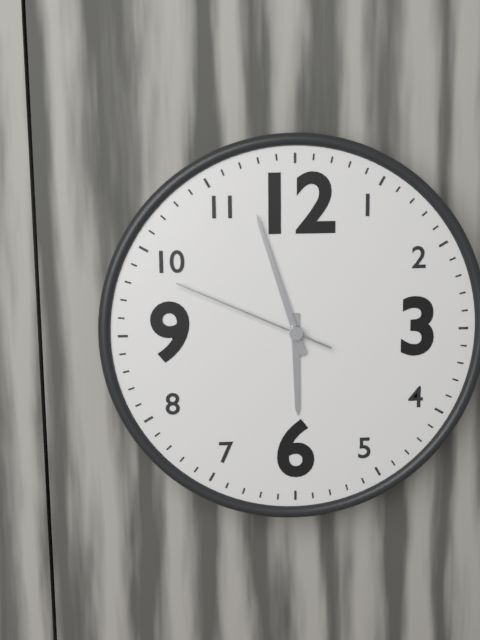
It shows 5:57:49
